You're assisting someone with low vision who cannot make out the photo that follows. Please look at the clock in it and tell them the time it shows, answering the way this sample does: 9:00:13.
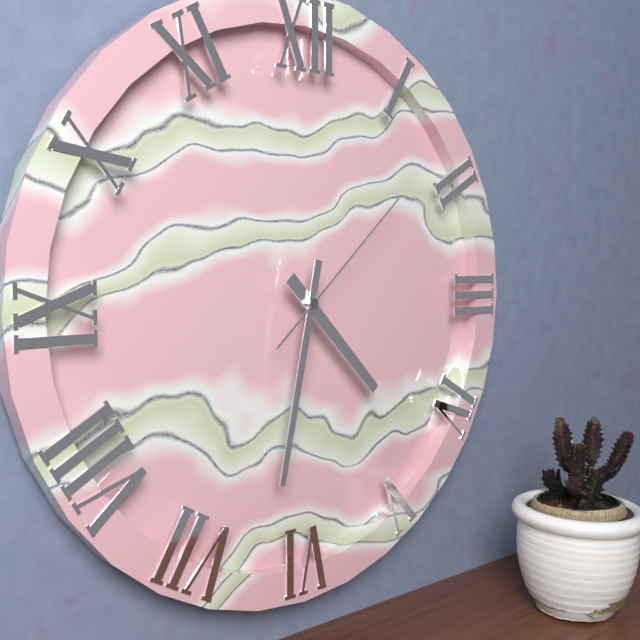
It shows 4:32:08
